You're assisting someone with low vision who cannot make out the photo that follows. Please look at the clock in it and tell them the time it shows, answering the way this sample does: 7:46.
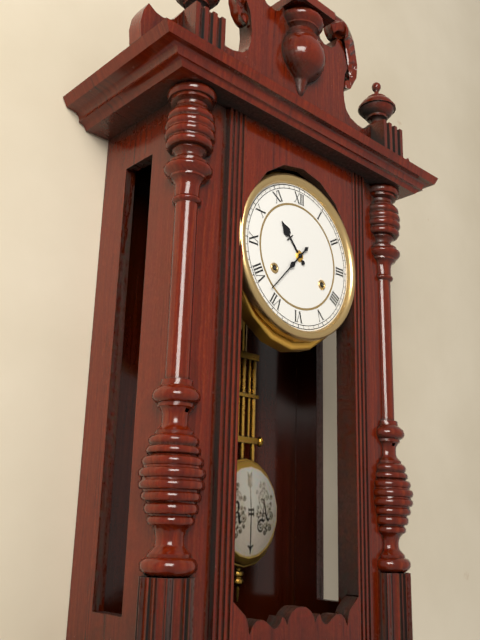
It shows 10:37
